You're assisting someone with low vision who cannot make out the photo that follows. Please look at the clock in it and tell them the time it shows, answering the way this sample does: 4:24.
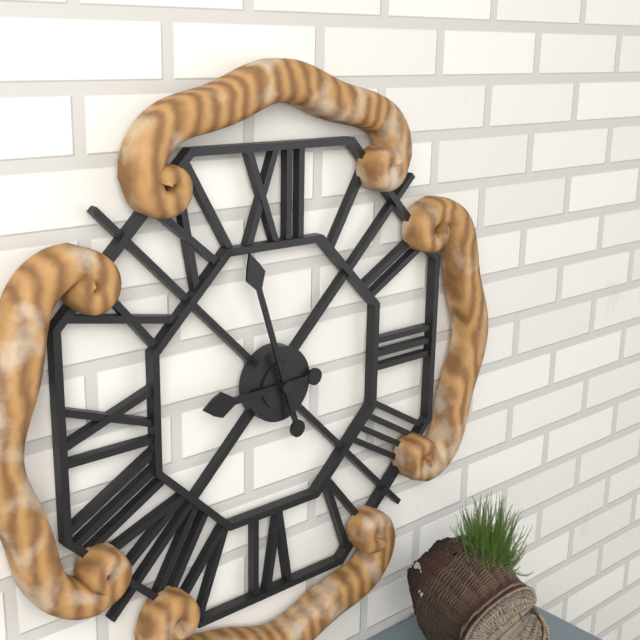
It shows 8:57
